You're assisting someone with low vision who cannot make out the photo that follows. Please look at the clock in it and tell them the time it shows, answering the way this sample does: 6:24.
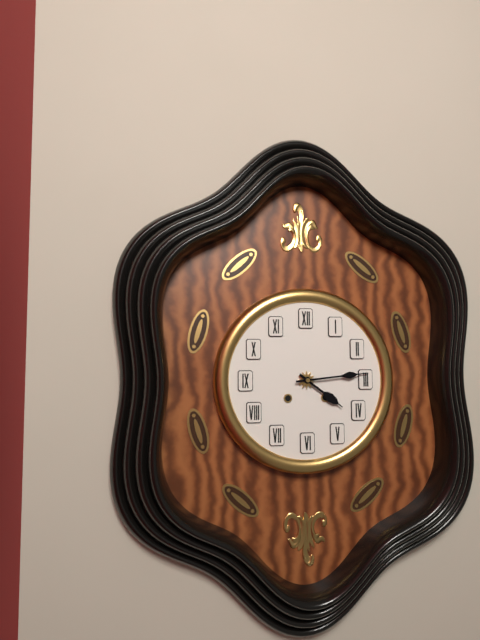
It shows 4:14
